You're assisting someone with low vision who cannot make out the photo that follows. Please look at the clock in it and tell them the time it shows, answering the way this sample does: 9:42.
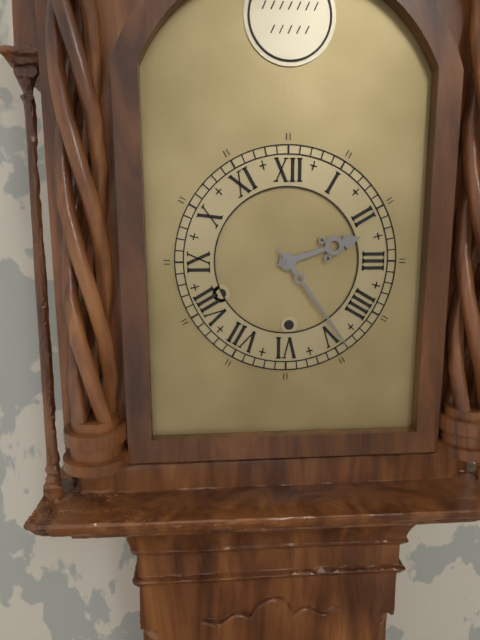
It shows 2:24
